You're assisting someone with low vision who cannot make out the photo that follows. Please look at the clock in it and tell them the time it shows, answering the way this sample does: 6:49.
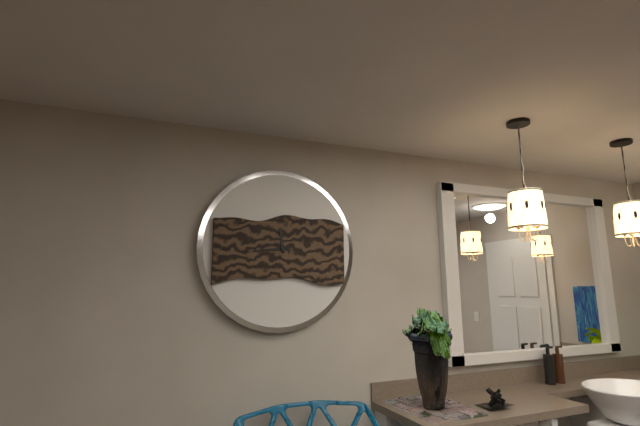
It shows 11:44
